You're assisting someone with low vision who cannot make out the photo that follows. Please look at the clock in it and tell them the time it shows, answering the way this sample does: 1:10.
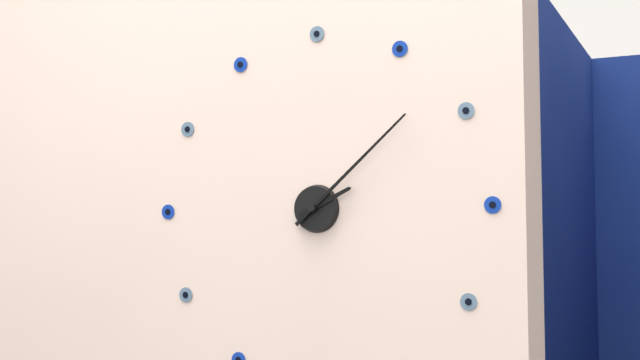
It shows 2:08
